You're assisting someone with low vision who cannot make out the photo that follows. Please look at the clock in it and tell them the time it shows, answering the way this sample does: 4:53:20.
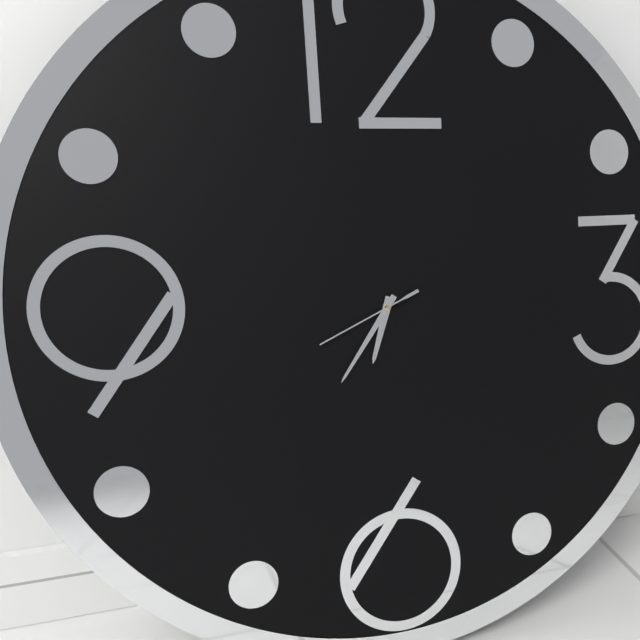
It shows 6:36:41
